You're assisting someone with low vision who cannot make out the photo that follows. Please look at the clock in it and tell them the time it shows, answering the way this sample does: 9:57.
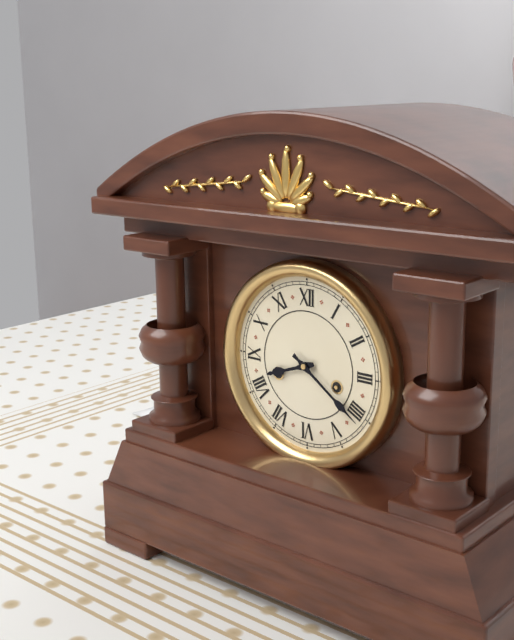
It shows 8:21
